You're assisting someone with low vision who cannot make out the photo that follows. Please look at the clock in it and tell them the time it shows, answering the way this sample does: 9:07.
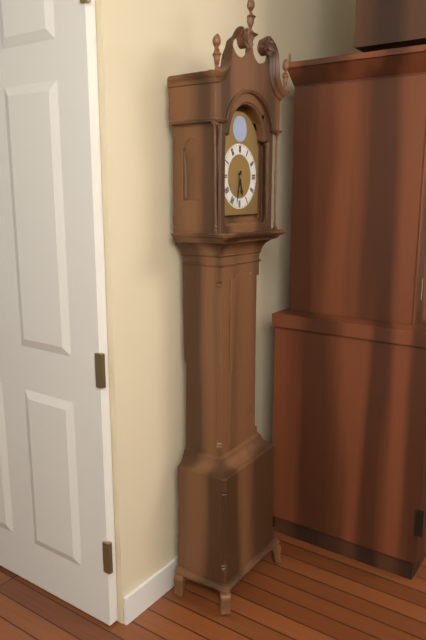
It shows 5:32
